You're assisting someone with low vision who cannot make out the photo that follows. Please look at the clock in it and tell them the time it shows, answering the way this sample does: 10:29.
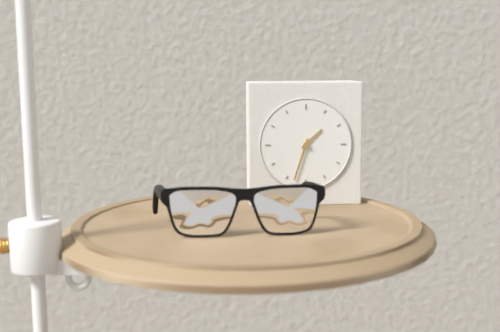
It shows 1:33
